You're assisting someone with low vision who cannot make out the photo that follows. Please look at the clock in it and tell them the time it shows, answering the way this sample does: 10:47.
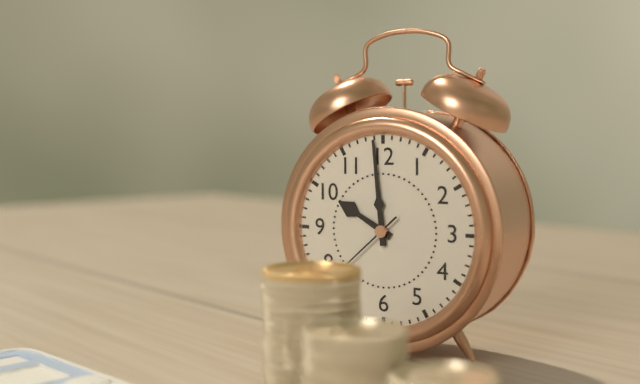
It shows 9:59
